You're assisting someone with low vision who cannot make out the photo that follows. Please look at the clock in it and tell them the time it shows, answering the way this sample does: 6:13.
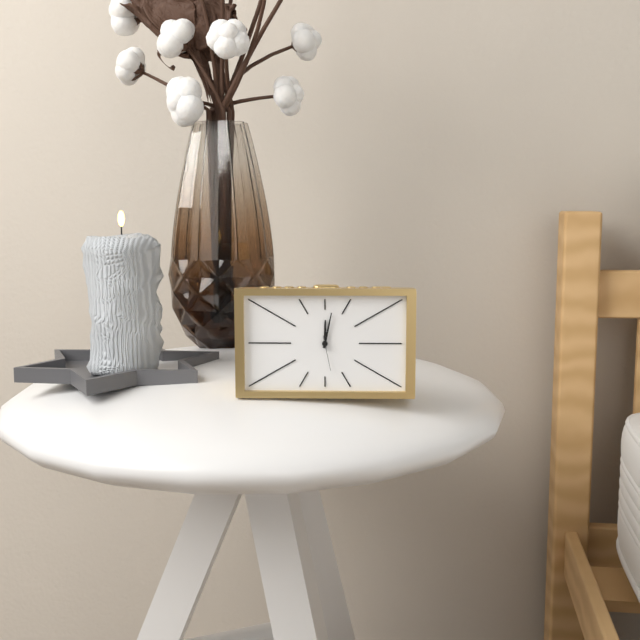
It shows 12:02
